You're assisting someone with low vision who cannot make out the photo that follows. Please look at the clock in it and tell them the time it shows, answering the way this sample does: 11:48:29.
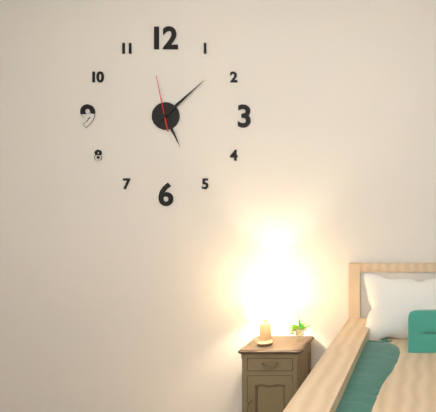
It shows 5:08:58
